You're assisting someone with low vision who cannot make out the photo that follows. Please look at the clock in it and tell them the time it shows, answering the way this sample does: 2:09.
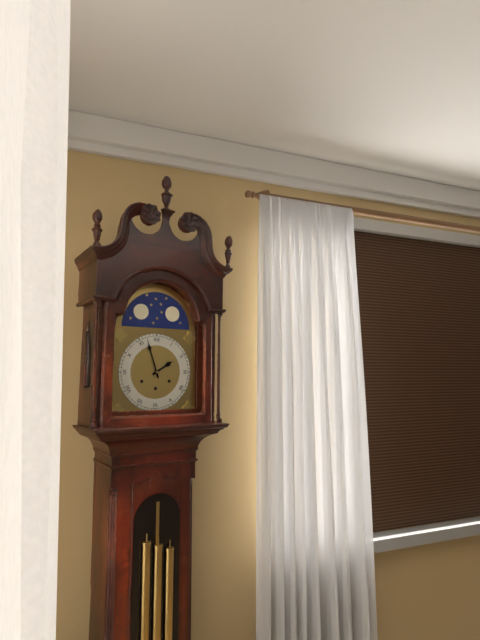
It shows 1:57
